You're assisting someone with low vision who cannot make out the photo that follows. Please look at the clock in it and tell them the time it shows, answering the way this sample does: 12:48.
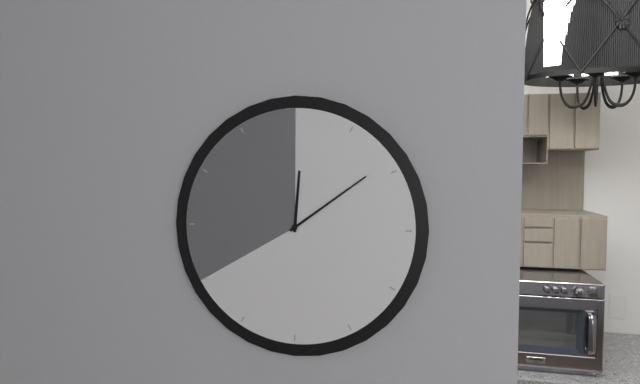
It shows 12:09
